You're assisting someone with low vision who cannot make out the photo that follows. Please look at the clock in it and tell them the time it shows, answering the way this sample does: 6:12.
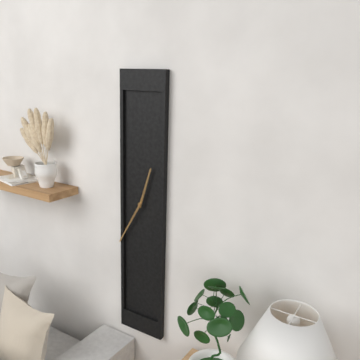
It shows 12:35
